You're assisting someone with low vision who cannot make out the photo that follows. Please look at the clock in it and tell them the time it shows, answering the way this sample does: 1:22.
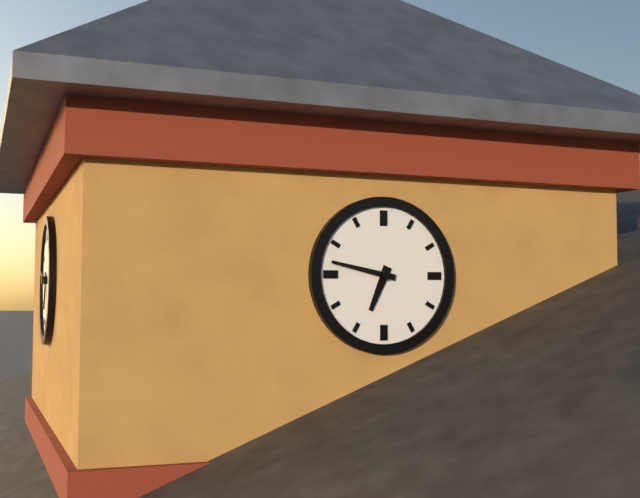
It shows 6:47
